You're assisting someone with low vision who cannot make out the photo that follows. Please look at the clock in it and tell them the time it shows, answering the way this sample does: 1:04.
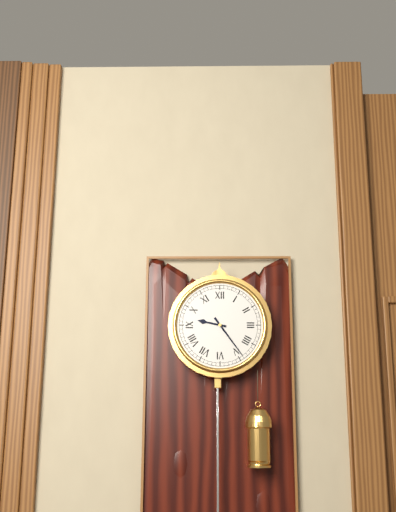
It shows 9:24
